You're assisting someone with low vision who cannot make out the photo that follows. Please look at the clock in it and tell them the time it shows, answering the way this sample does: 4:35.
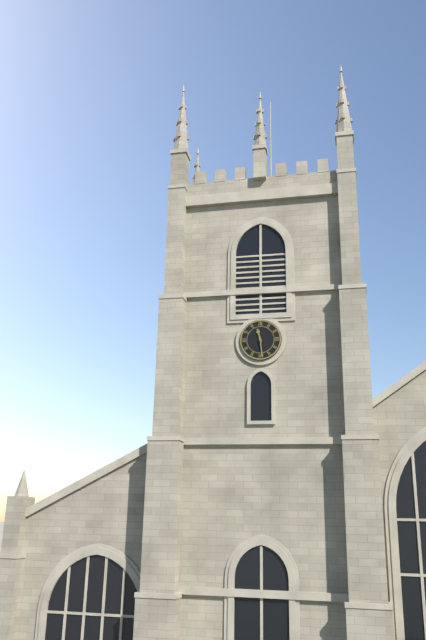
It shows 11:29
